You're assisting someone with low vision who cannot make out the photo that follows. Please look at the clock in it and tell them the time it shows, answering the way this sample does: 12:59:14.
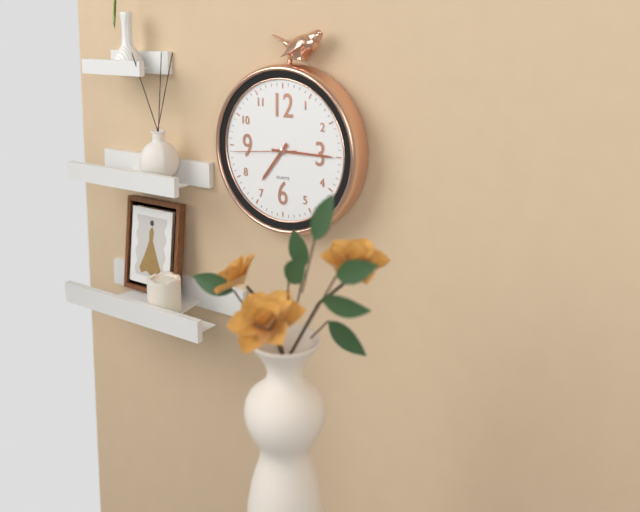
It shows 7:15:44
